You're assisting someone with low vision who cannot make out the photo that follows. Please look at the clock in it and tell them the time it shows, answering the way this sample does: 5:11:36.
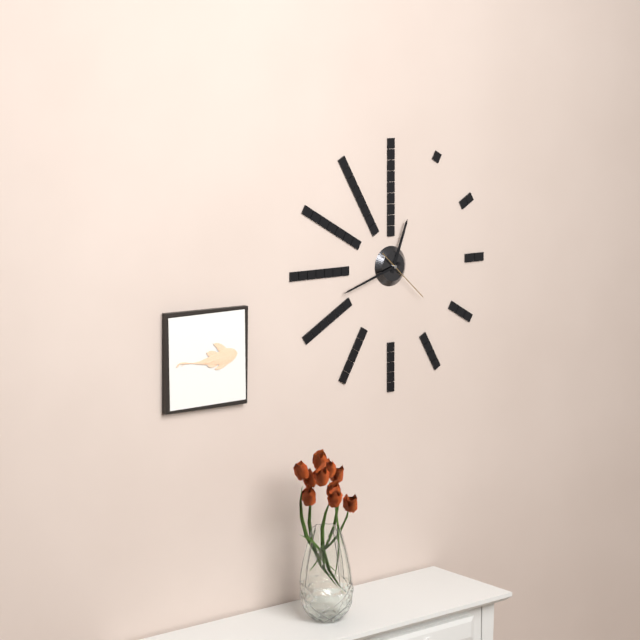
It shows 12:42:22
